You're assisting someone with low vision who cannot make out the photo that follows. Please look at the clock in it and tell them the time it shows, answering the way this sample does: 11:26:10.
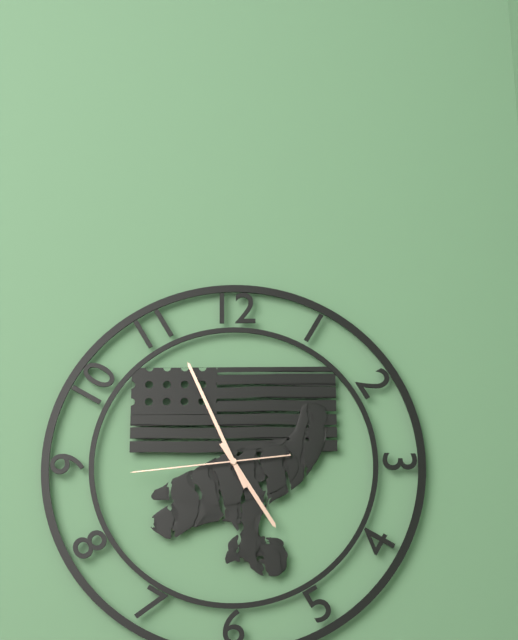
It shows 4:56:44
